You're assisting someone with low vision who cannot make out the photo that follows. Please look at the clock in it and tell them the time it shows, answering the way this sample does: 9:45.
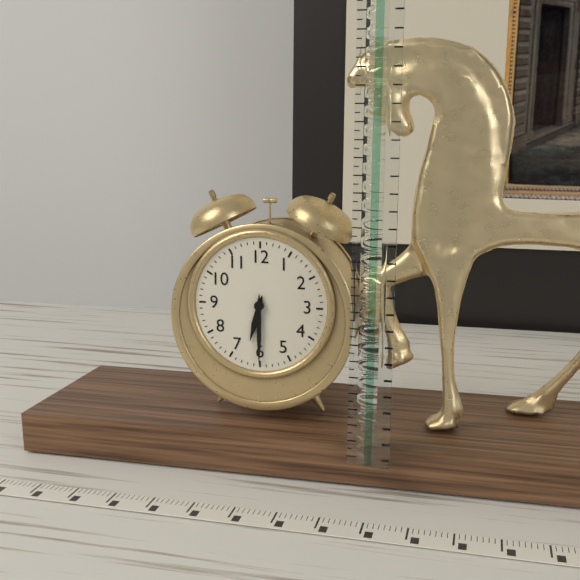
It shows 6:30
